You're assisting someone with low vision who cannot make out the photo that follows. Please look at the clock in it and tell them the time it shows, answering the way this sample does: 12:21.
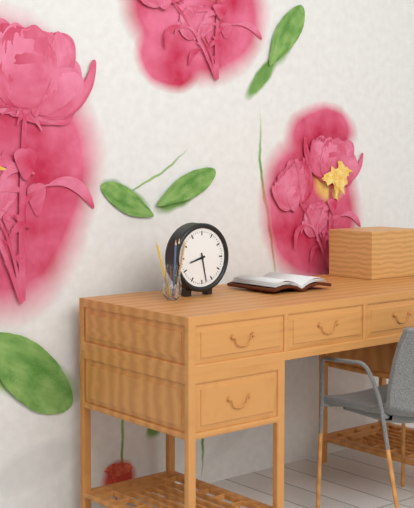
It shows 8:28
